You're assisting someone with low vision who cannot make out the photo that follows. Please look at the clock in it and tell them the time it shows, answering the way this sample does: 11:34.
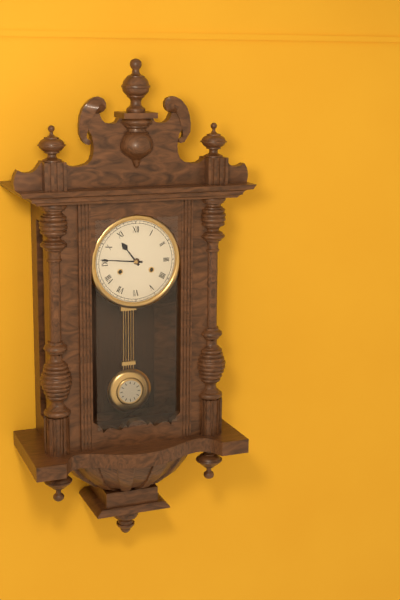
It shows 10:46
